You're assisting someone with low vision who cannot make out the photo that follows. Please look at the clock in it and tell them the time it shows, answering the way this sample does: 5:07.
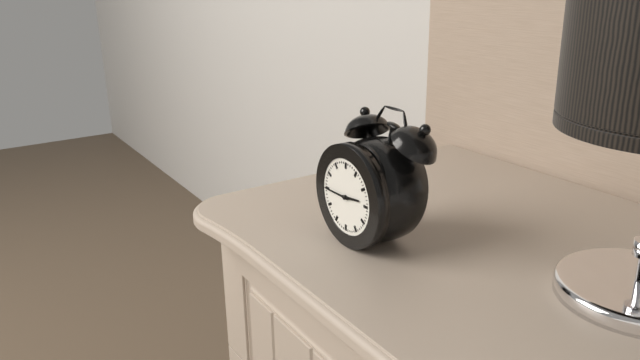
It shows 2:45
